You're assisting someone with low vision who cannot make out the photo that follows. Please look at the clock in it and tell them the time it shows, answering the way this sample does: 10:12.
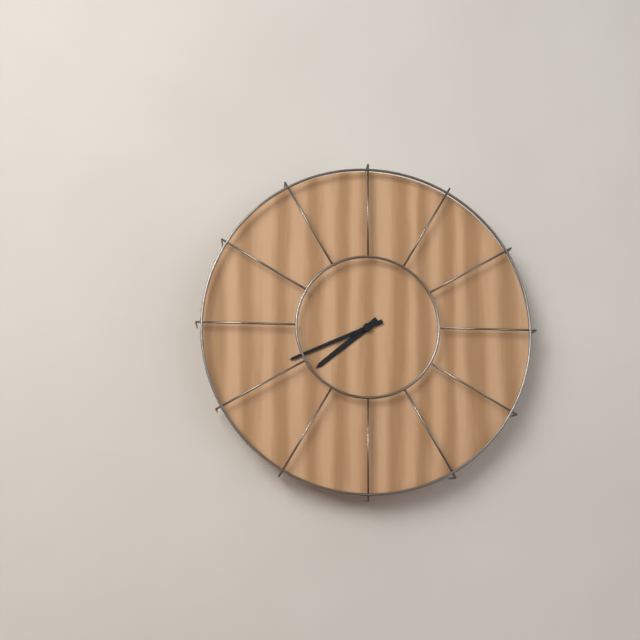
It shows 7:41
